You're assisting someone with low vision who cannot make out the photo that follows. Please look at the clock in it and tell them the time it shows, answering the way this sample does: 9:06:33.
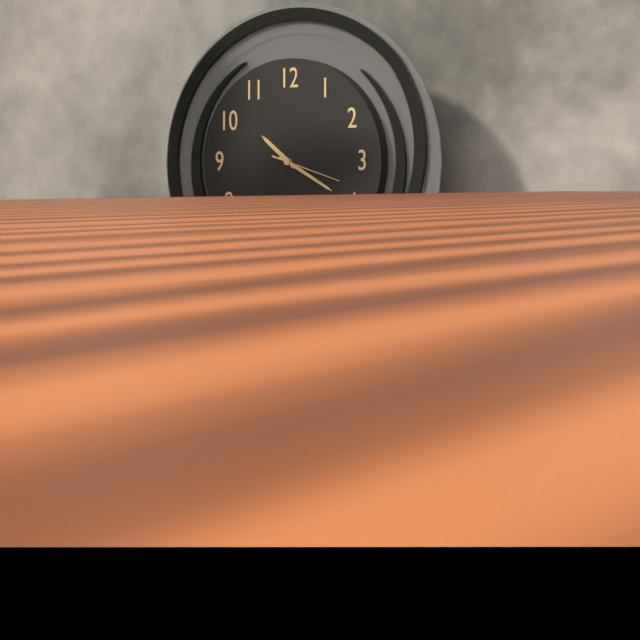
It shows 10:20:18
